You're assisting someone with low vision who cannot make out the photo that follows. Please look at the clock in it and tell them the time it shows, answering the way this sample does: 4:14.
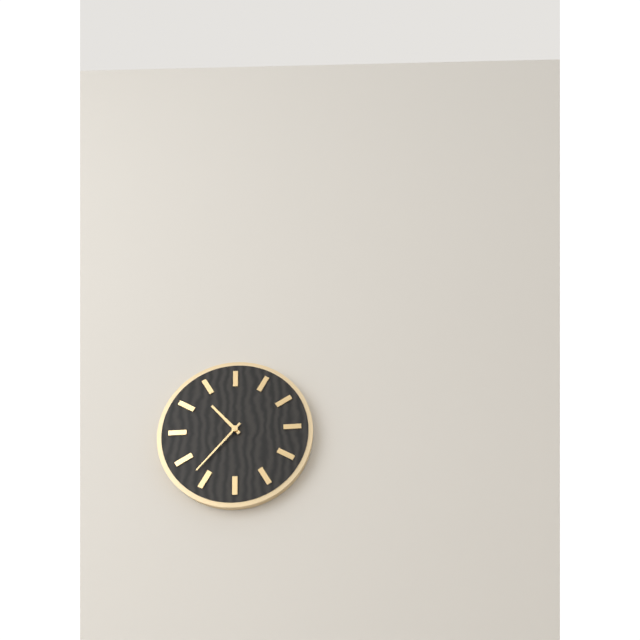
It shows 10:37
